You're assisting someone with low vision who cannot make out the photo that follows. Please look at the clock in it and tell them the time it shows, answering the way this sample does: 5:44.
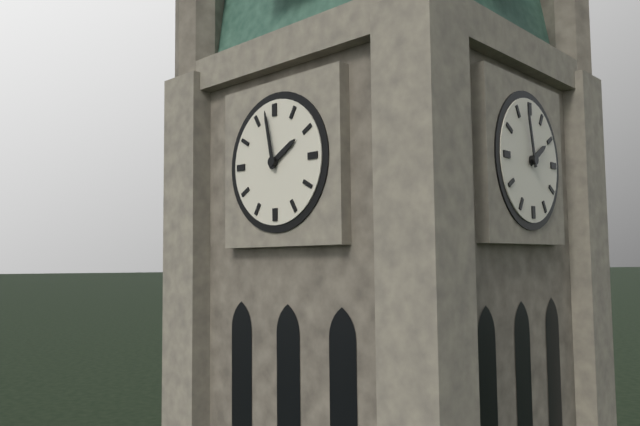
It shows 1:58
